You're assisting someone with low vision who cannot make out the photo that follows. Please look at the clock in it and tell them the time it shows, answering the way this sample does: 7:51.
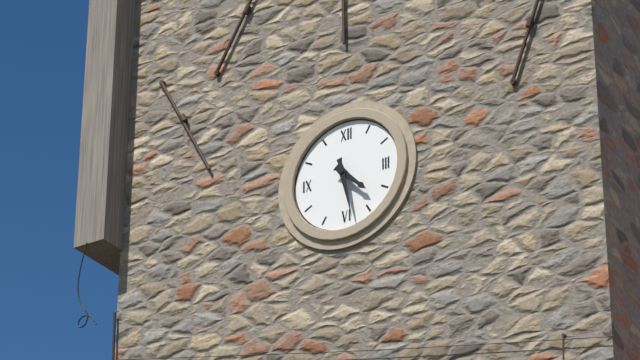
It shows 4:28
